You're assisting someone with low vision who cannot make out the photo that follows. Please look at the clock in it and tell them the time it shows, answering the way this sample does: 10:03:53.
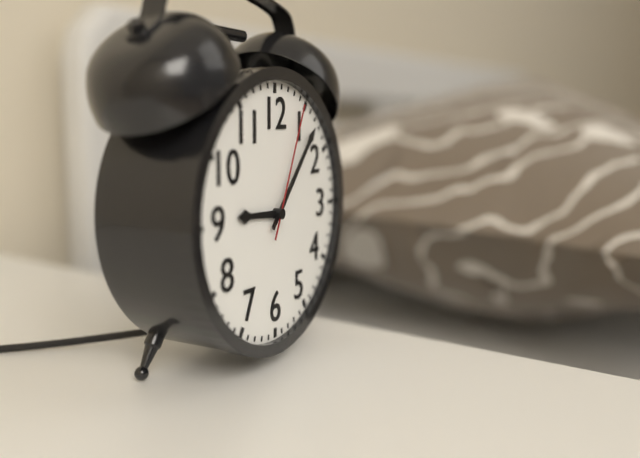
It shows 9:07:04
